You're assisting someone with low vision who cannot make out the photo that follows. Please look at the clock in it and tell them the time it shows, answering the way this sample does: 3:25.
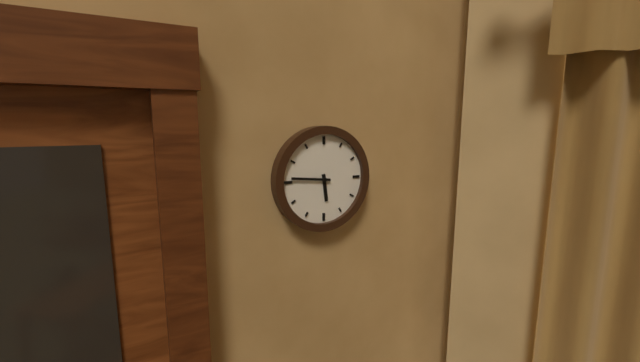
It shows 5:46
